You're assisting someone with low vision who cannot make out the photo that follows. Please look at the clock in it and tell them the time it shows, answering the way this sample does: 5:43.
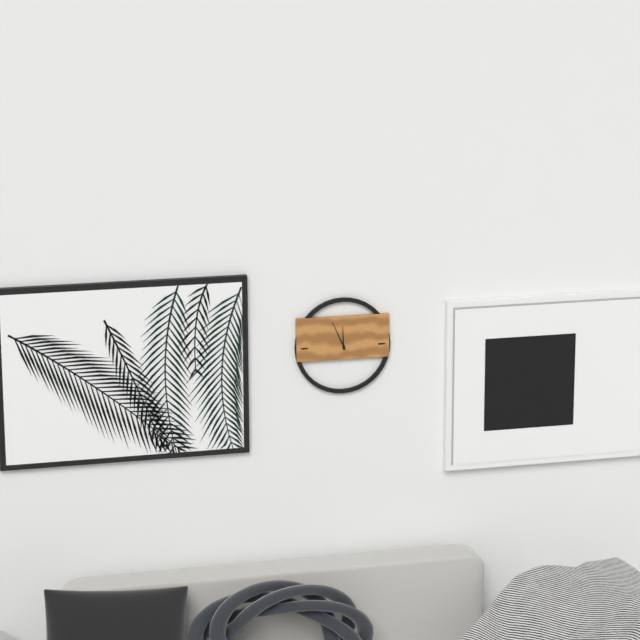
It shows 11:56
